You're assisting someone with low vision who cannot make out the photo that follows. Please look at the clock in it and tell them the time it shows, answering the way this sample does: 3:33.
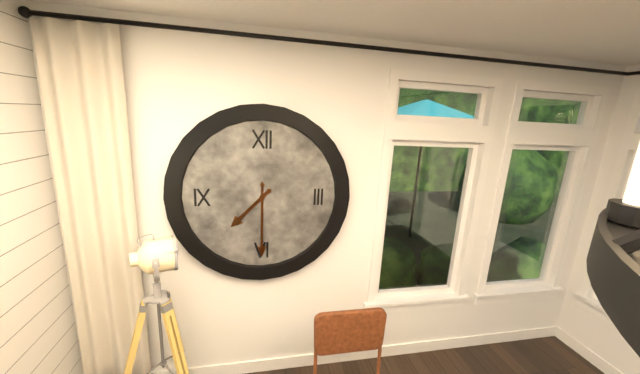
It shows 7:30
